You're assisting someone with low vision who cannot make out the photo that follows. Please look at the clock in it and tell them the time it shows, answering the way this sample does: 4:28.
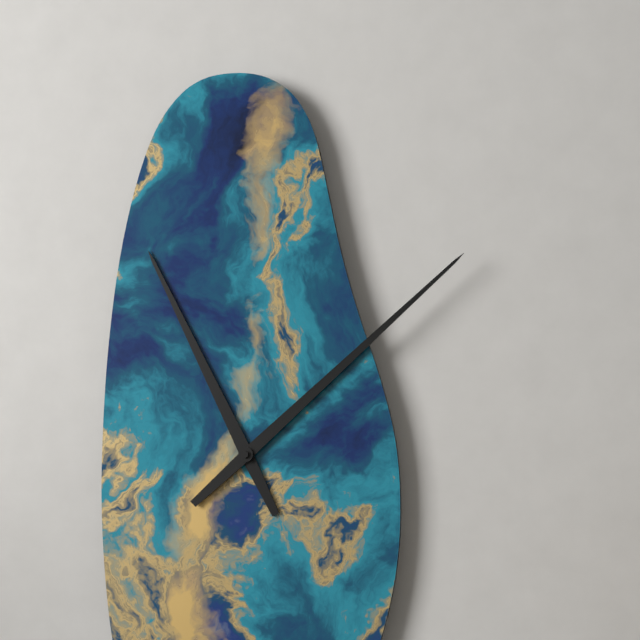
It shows 11:08
